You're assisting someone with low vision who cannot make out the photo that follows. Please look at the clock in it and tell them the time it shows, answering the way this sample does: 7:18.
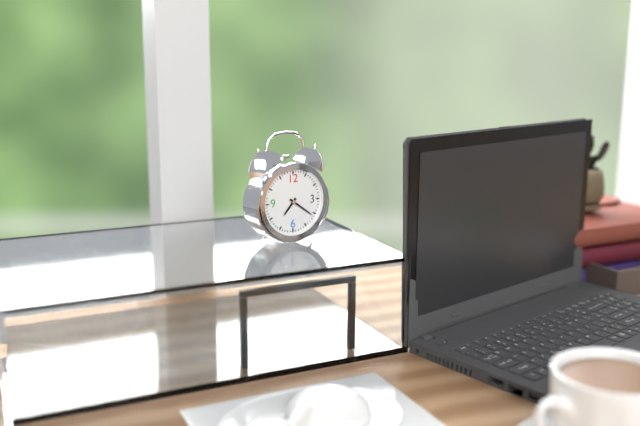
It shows 7:21
